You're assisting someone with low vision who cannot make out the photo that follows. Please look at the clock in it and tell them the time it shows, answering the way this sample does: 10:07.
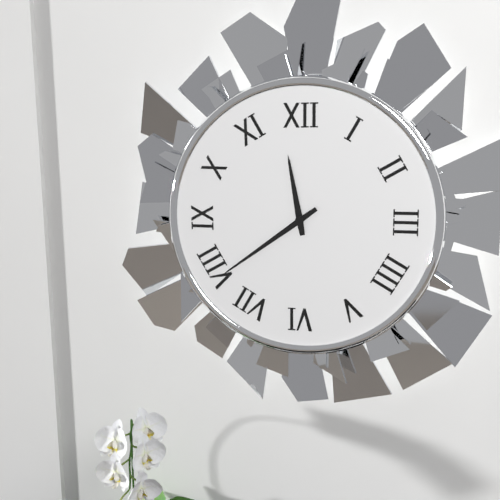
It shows 11:39
